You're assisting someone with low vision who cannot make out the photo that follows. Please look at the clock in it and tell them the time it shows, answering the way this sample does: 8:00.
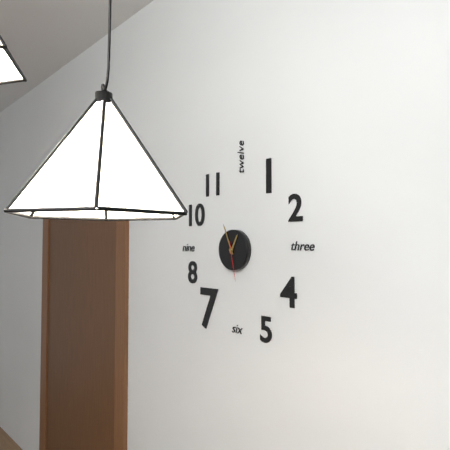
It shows 12:56
